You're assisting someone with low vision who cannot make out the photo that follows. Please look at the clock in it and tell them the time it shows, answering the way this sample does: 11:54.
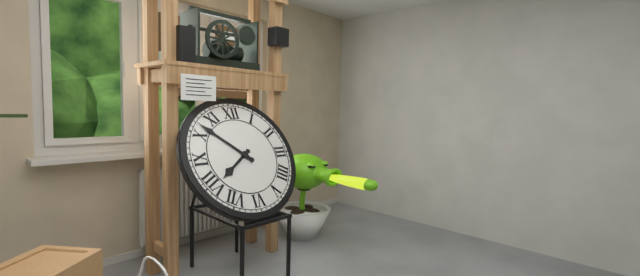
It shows 7:52
